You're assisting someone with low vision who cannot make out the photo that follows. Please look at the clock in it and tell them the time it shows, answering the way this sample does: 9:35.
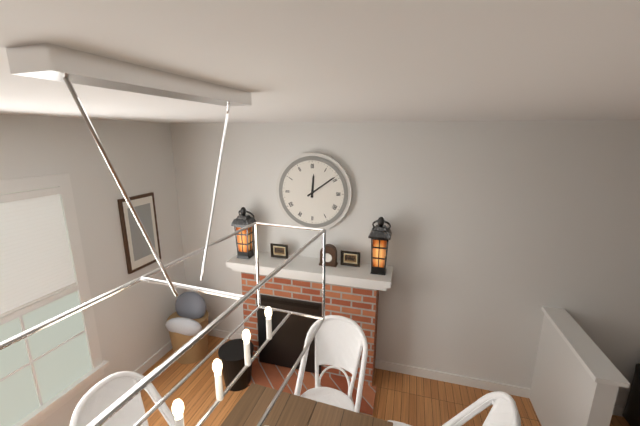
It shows 12:09
